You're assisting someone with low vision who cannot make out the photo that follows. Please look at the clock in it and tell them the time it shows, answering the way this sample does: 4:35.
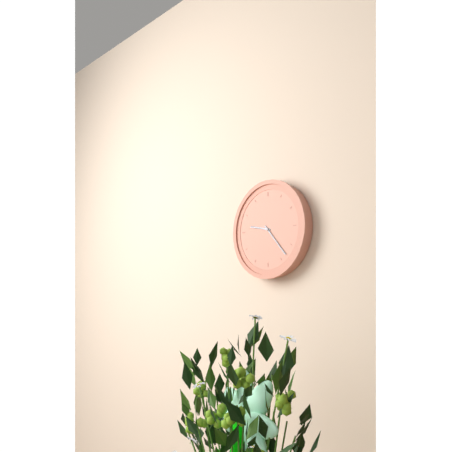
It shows 9:23
